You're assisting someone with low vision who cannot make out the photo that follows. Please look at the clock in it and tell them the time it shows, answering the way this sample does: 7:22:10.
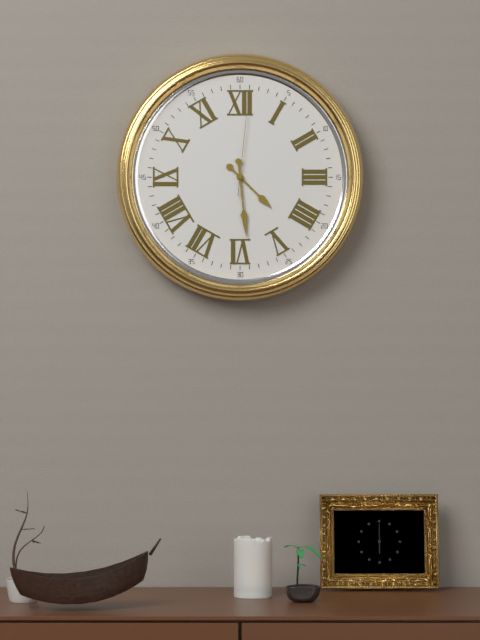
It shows 4:29:01
